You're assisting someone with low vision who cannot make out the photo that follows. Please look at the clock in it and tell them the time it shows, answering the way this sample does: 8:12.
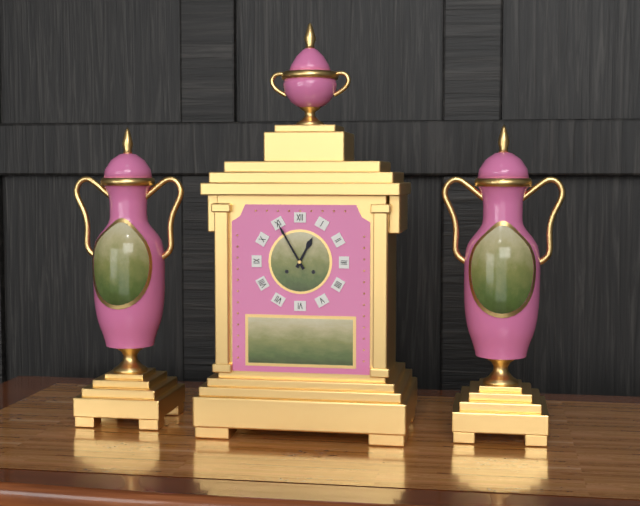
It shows 12:55
